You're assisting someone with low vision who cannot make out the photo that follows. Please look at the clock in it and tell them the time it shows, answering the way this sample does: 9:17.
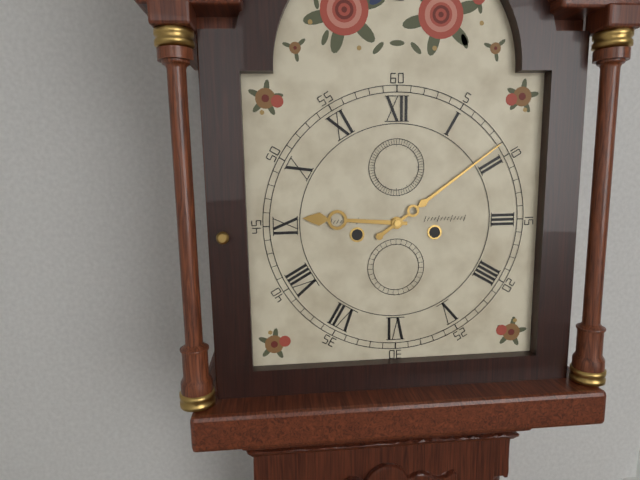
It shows 9:09
